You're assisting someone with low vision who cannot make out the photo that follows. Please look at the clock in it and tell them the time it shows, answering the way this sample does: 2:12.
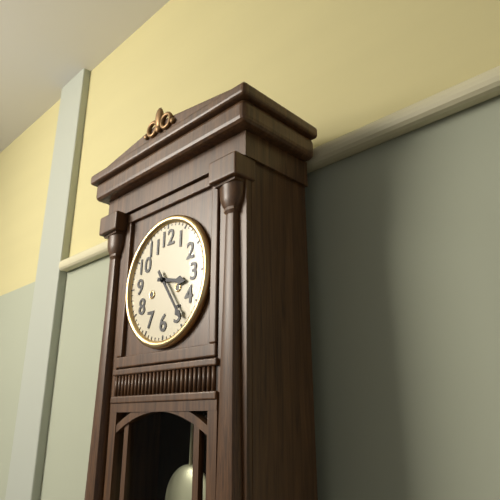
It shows 3:24
